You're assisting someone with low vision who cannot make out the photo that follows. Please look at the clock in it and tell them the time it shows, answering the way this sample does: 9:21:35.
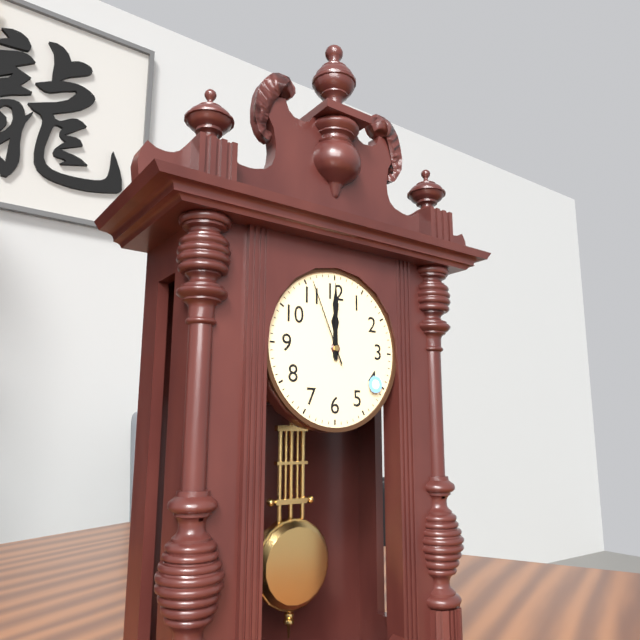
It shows 12:00:56
